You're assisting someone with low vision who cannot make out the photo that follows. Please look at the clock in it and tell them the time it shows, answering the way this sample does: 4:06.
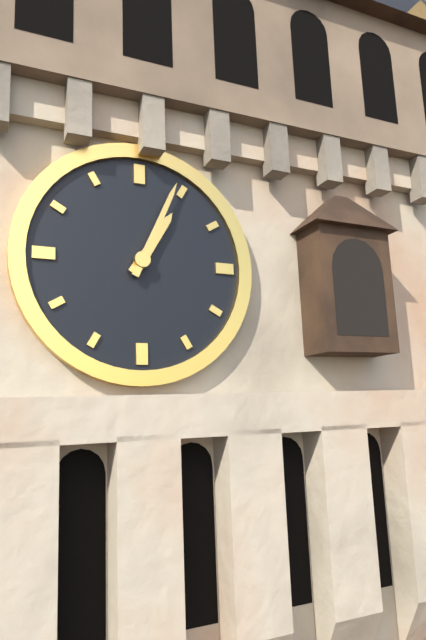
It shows 1:04
